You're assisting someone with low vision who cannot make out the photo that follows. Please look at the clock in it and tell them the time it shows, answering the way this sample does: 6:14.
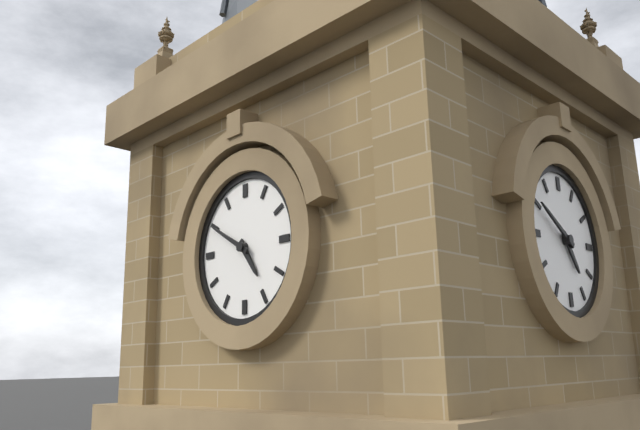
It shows 4:50
